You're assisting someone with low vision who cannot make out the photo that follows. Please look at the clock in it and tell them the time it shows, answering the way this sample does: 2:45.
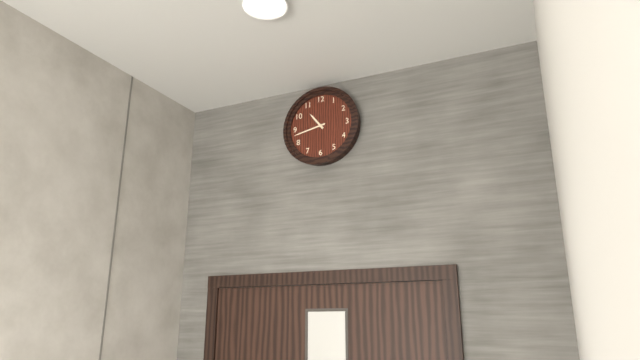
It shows 10:43
